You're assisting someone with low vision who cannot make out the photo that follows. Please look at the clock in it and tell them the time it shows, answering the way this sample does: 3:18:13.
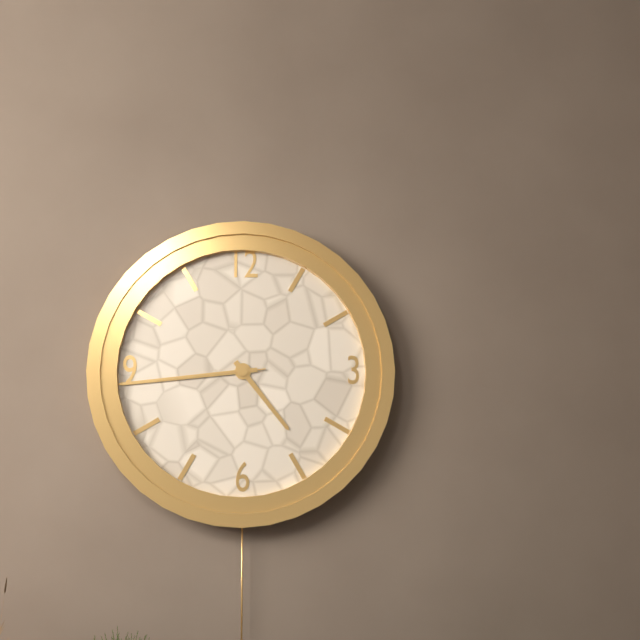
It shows 4:44:44
